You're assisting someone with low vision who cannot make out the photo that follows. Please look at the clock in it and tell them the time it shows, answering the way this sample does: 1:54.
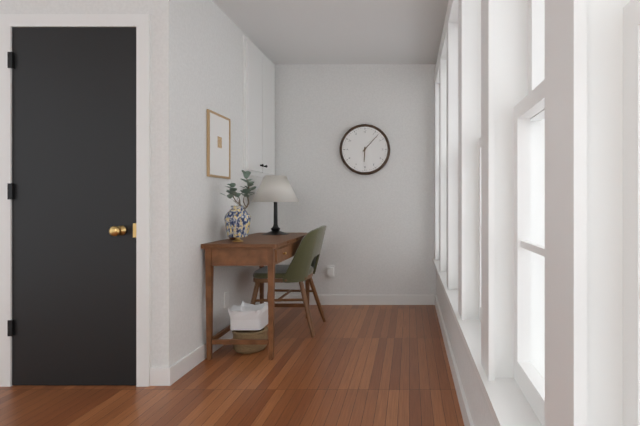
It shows 6:07
